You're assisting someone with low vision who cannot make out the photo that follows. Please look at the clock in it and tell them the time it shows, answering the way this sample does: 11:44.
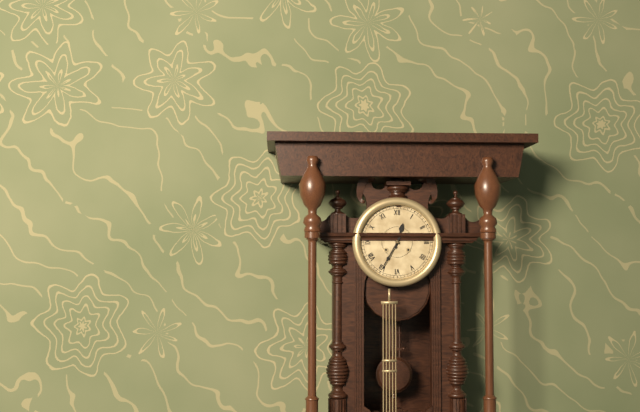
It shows 12:35
